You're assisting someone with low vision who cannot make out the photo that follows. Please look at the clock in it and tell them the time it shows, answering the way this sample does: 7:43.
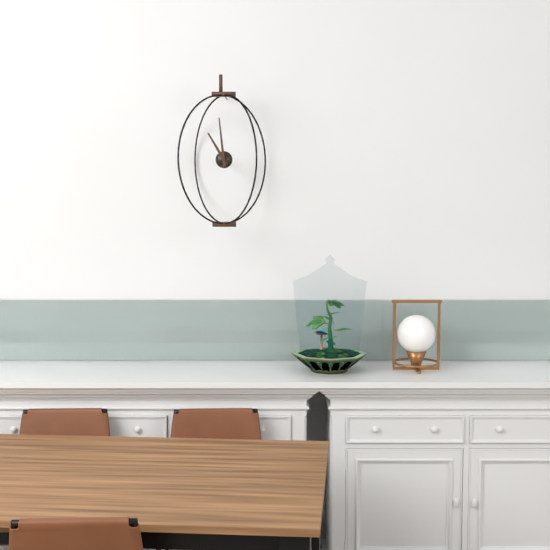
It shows 10:59
